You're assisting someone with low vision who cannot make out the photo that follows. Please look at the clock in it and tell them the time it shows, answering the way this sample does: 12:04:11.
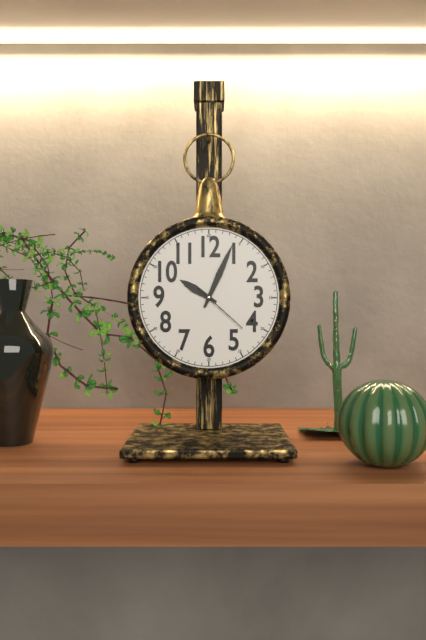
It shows 10:04:22
